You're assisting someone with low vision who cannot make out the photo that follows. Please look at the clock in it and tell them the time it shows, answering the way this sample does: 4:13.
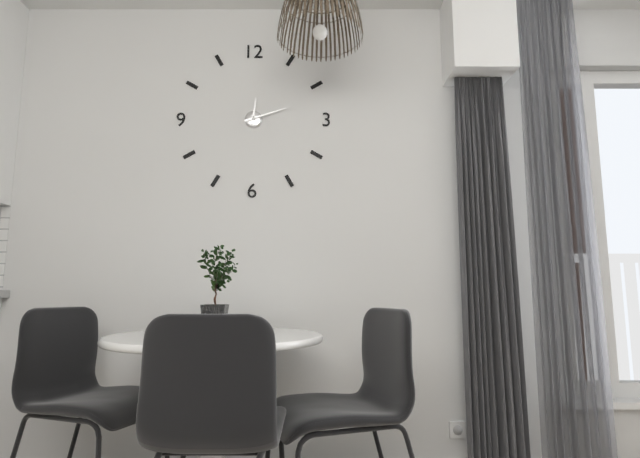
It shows 12:12
